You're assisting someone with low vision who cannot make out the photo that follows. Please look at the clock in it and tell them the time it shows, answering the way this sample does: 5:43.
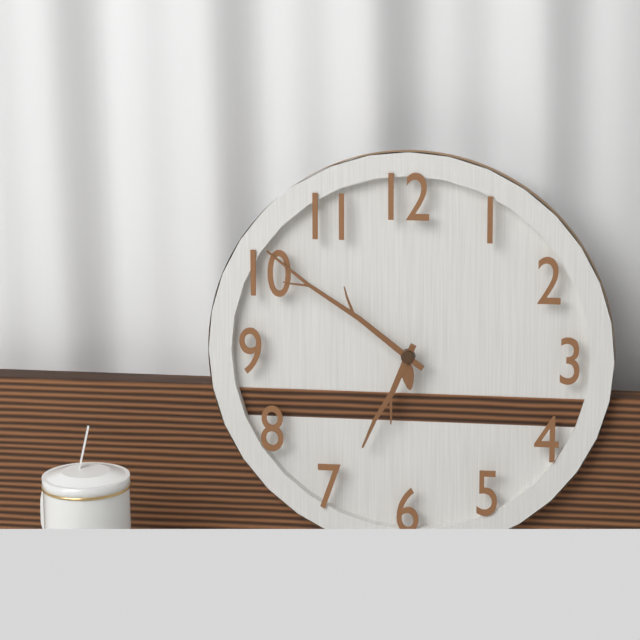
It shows 6:51
